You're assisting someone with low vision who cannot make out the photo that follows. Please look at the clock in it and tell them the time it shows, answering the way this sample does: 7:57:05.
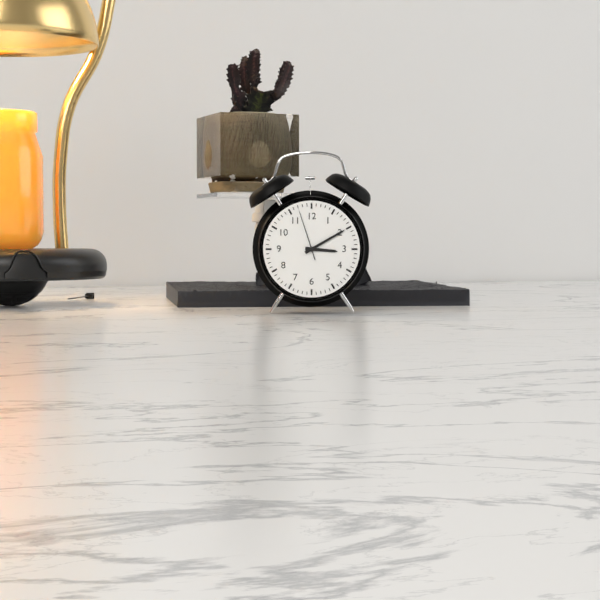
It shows 3:10:57
